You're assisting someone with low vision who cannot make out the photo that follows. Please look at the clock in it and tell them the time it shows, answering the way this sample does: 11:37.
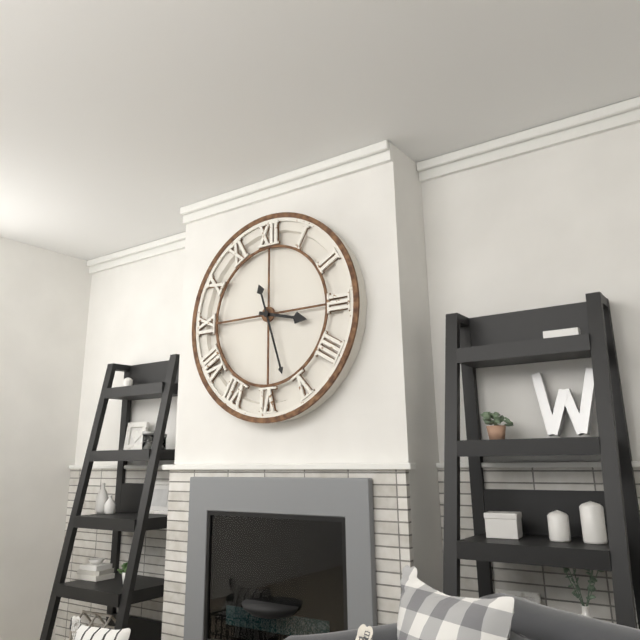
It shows 3:27
